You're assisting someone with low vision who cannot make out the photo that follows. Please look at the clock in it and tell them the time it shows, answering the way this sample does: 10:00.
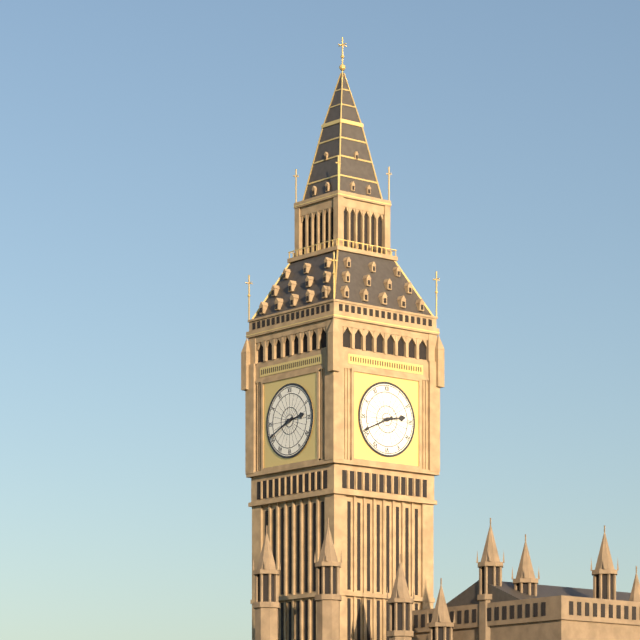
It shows 2:41
